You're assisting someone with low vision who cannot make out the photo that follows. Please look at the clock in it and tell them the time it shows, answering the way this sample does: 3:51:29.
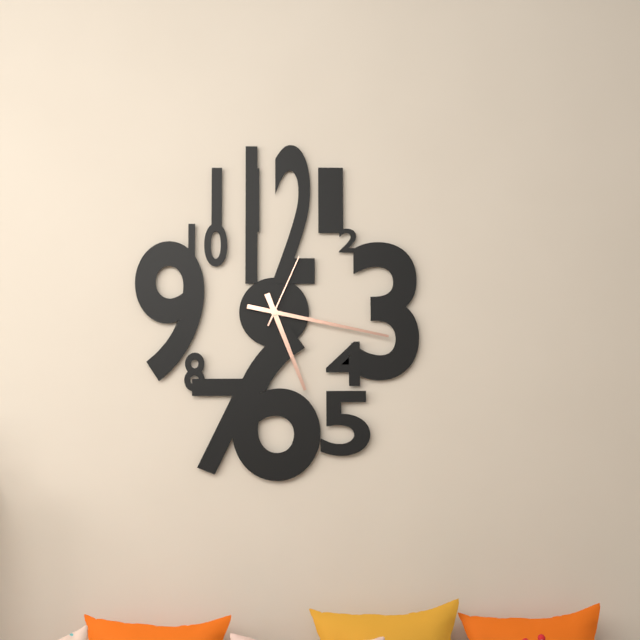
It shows 5:17:04
